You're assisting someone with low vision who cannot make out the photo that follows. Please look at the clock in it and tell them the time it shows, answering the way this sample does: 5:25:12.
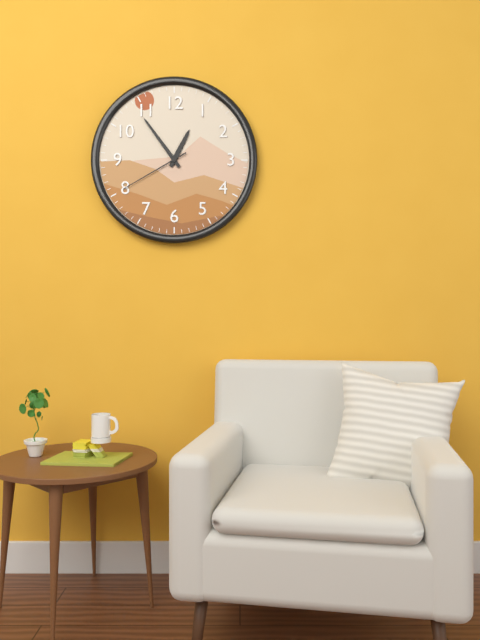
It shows 12:54:40
